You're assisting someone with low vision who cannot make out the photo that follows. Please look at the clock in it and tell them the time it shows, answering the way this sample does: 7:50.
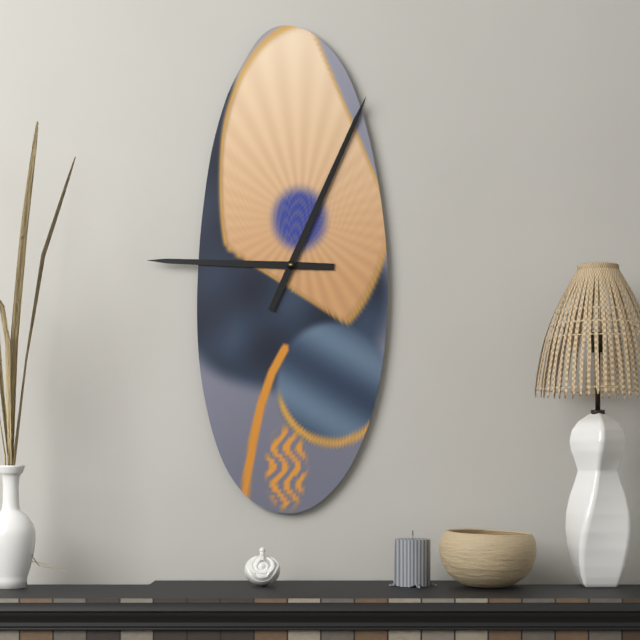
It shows 9:04
